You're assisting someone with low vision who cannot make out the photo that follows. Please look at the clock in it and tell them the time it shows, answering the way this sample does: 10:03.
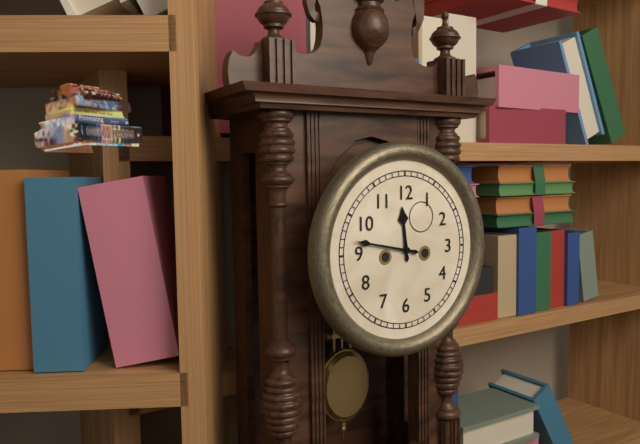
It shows 11:47
